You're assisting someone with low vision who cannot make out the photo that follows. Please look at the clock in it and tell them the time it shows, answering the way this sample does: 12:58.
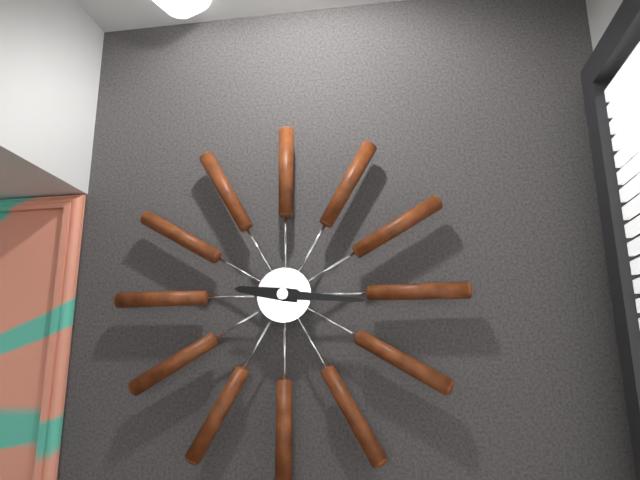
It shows 9:16
